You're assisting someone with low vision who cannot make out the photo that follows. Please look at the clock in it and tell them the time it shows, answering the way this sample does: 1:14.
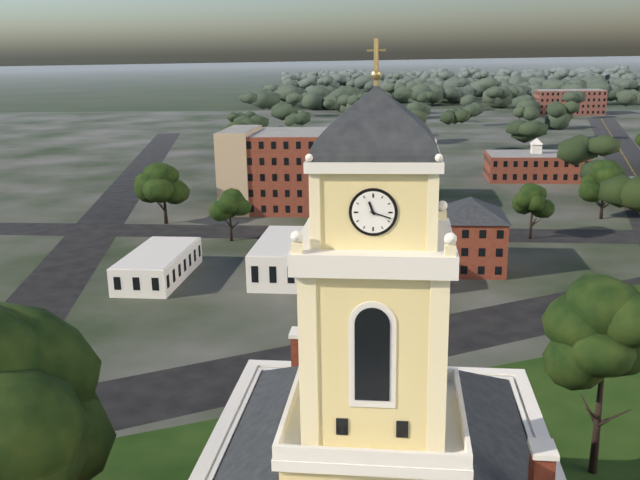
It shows 11:18
